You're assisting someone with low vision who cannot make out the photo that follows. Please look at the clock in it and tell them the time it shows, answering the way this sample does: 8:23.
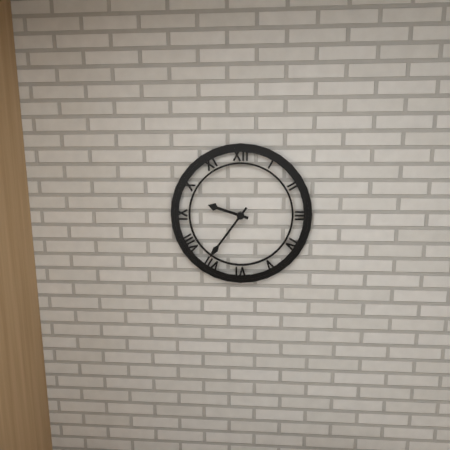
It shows 9:36
